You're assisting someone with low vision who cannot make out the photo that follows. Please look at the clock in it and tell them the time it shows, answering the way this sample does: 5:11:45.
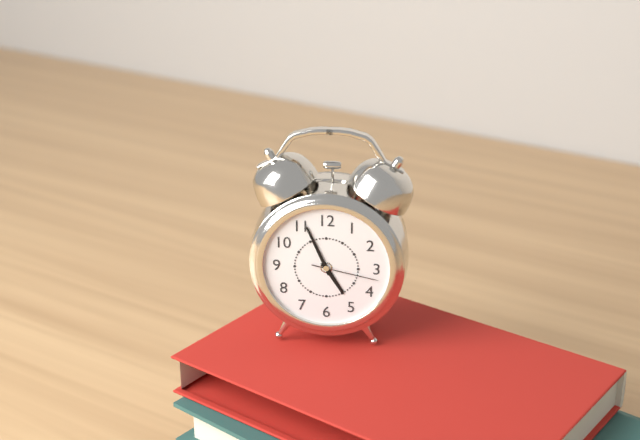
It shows 4:56:17
